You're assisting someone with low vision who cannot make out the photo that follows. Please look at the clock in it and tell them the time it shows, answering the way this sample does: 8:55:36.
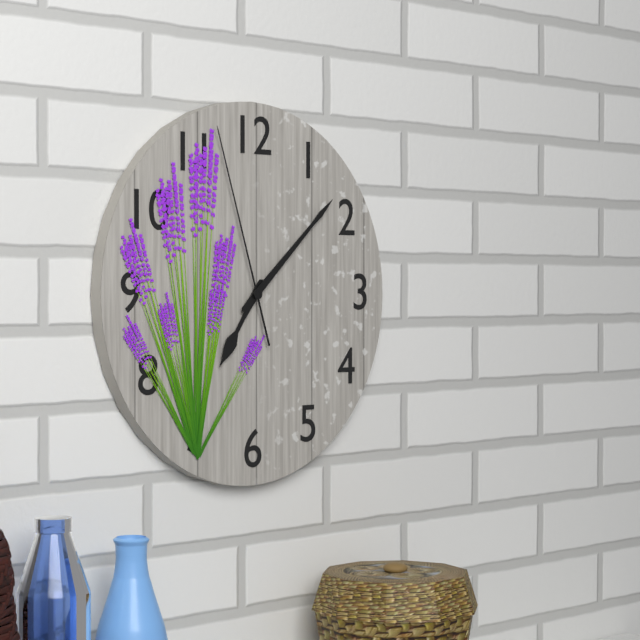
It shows 7:08:57
